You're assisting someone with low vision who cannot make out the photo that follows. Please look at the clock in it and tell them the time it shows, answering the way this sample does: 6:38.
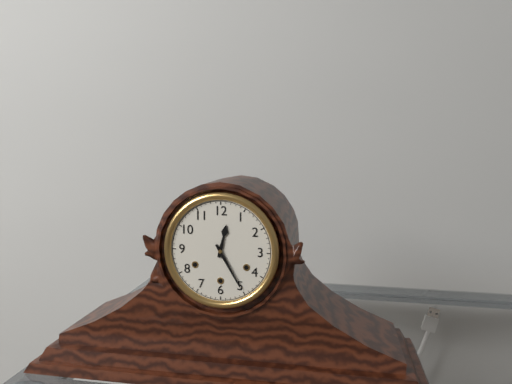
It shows 12:25
